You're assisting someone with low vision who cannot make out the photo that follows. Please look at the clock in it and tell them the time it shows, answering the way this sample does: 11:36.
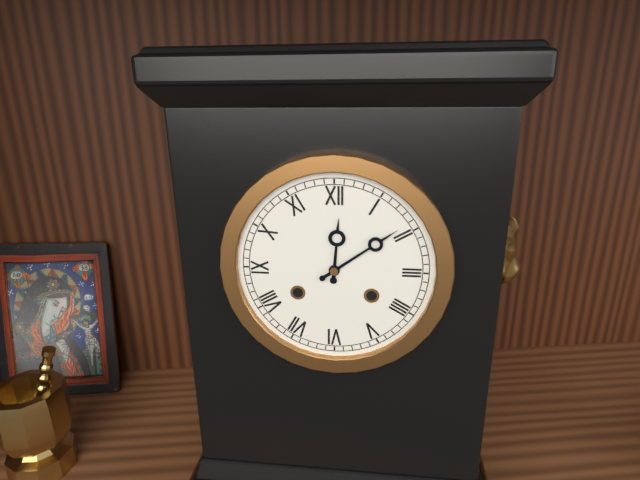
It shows 12:09
